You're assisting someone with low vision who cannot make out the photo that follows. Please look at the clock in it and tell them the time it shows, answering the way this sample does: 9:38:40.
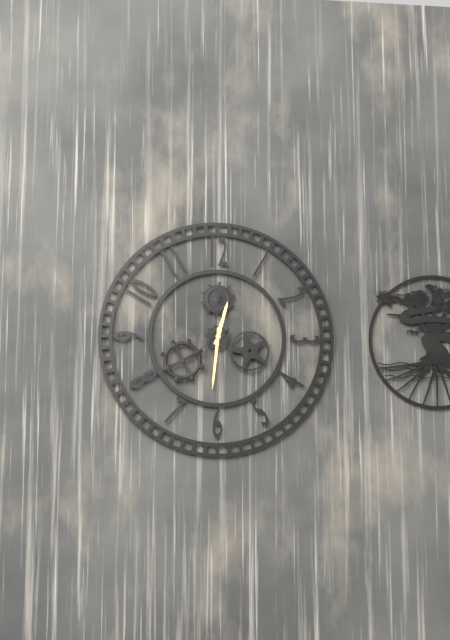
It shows 12:31:39
